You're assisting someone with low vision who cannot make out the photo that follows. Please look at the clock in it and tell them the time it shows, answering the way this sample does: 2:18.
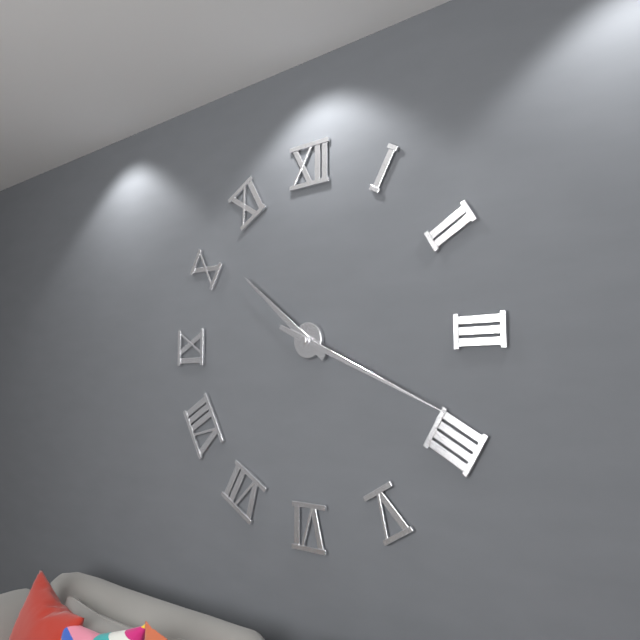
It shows 10:19
